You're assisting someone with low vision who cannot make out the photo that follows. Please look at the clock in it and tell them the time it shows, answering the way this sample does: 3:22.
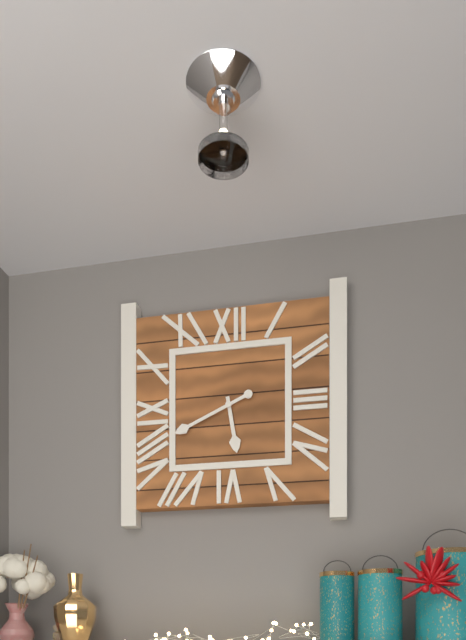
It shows 5:41
